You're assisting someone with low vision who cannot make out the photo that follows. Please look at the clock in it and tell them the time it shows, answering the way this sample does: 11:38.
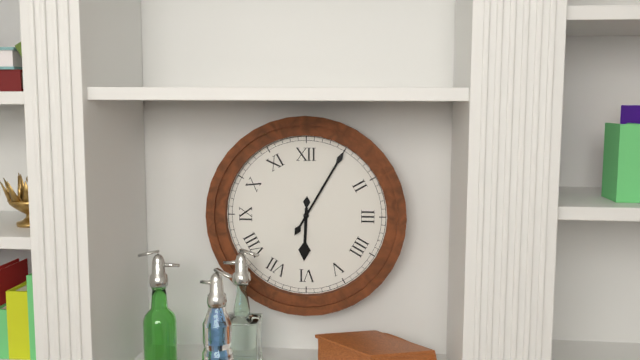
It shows 6:05
